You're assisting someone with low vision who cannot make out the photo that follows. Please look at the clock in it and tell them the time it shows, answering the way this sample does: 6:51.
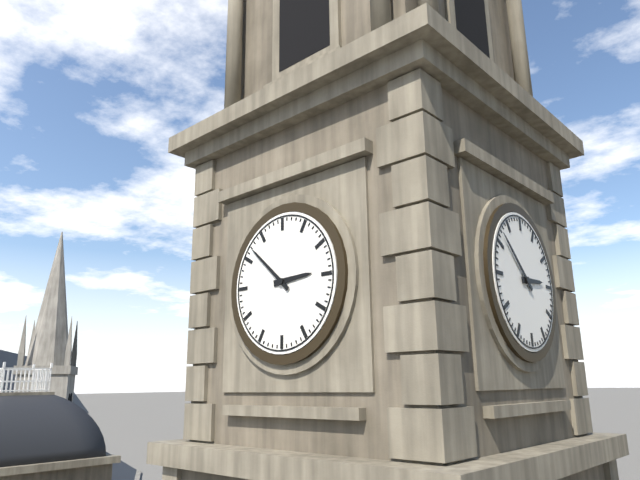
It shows 2:52
